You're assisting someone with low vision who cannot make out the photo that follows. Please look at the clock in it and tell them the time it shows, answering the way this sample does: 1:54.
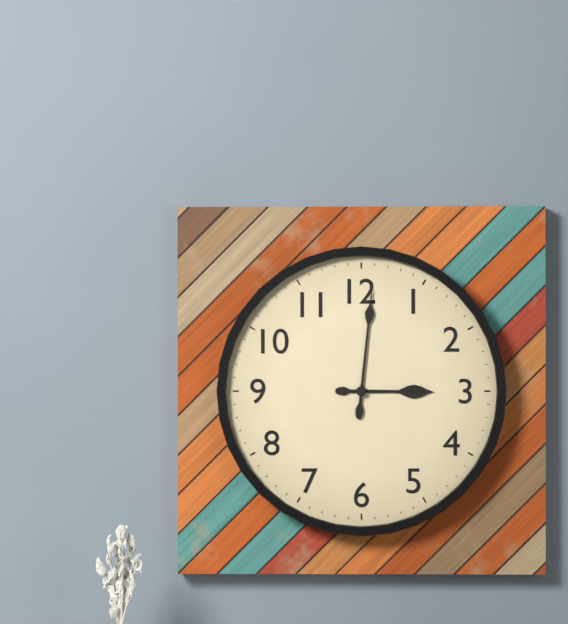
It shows 3:01
